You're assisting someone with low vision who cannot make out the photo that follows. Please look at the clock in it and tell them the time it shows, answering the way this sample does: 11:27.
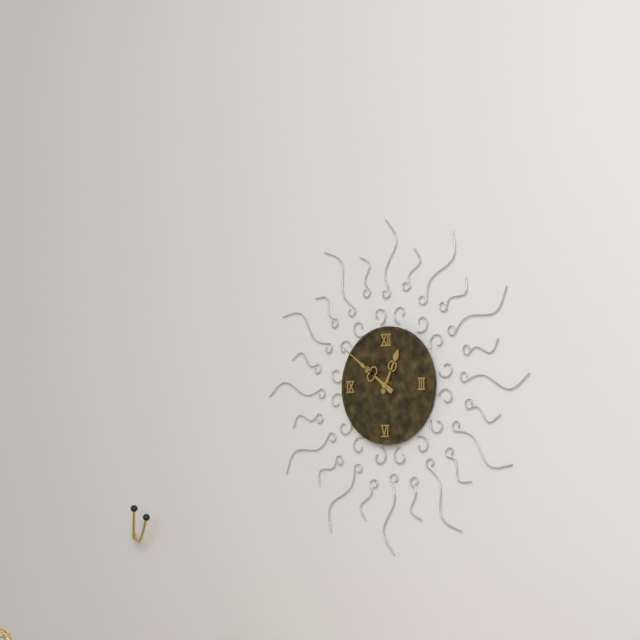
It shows 12:51
